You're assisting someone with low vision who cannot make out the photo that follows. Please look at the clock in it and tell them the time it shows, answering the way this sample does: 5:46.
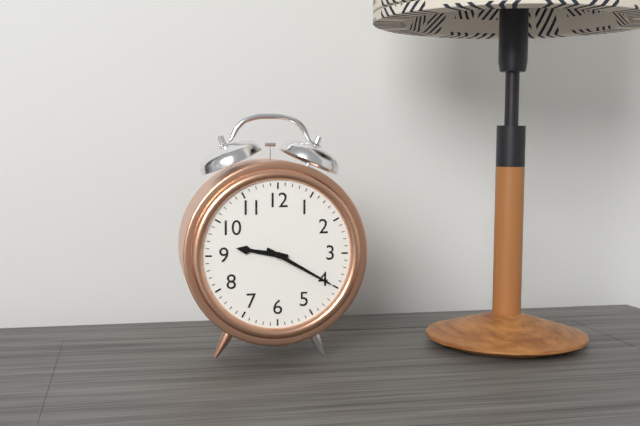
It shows 9:20
